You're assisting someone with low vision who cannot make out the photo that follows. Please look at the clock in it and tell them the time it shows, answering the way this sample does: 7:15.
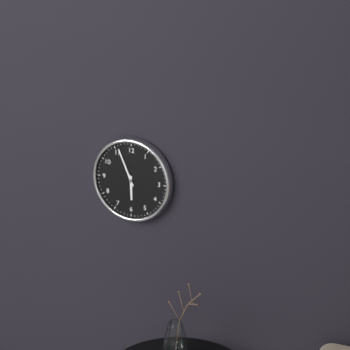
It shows 5:56
